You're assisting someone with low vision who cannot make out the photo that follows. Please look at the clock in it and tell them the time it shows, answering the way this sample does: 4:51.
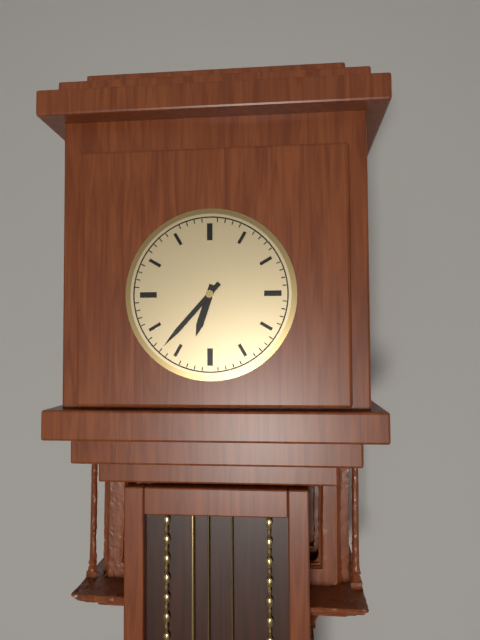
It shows 6:37
